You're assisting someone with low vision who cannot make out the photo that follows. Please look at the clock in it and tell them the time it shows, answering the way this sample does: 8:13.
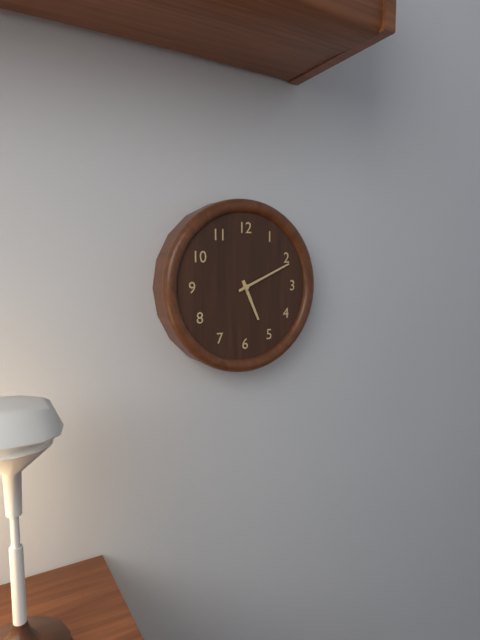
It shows 5:11
